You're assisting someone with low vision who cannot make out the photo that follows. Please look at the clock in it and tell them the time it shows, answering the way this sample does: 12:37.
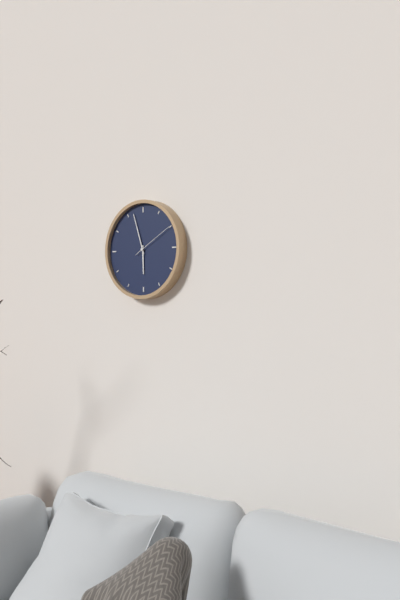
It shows 5:57
